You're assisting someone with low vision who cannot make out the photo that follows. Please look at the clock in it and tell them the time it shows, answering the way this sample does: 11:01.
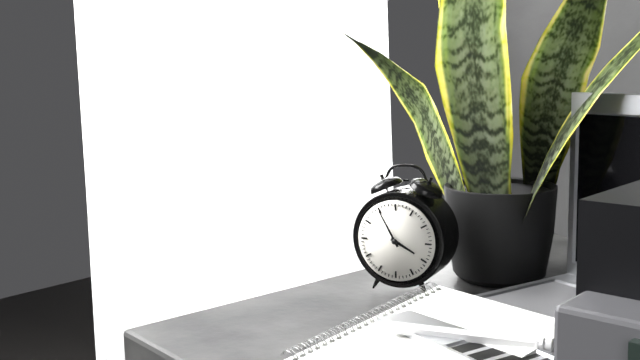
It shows 3:55
